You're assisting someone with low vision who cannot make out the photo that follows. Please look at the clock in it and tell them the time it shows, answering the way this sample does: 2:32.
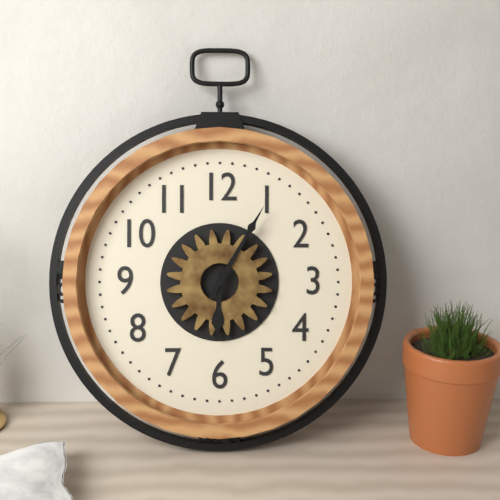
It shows 6:05
